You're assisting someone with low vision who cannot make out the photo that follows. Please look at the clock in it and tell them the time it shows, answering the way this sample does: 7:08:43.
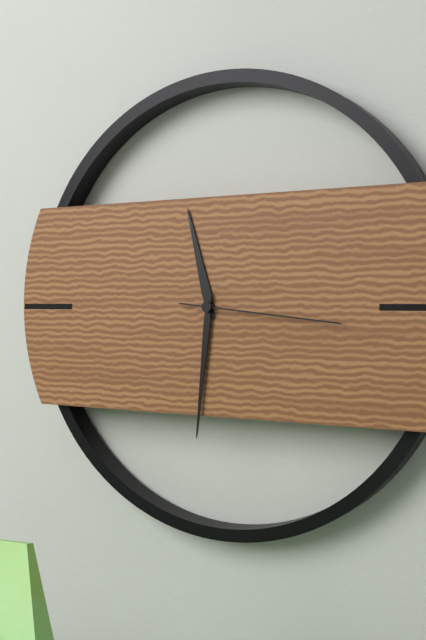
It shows 11:31:16
